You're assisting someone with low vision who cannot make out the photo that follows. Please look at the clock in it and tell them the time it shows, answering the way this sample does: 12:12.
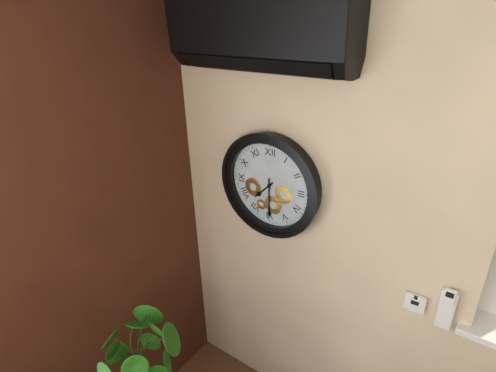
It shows 7:30
